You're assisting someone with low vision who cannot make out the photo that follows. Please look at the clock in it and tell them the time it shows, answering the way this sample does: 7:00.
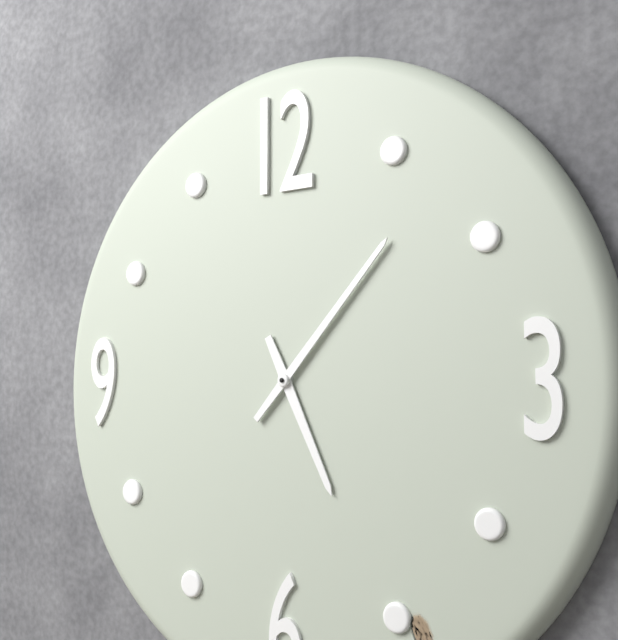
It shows 5:07
